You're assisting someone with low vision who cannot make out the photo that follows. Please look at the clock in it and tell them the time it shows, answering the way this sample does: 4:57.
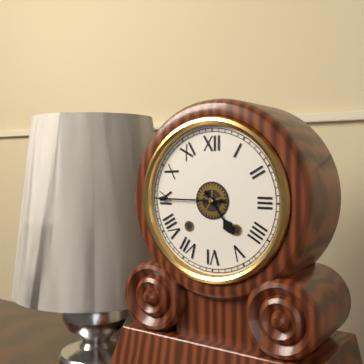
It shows 4:45
